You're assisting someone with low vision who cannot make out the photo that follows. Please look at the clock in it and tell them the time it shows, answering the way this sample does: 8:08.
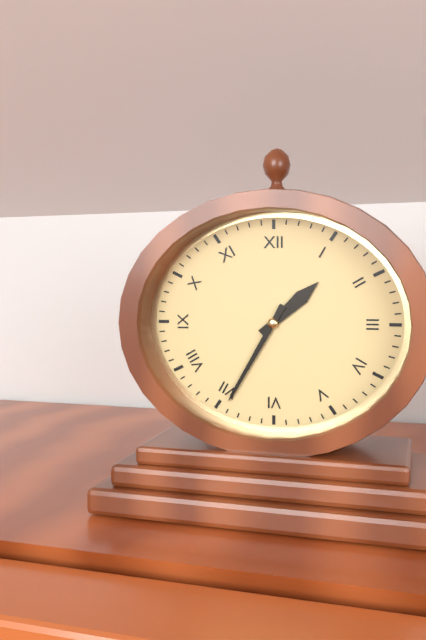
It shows 1:35
